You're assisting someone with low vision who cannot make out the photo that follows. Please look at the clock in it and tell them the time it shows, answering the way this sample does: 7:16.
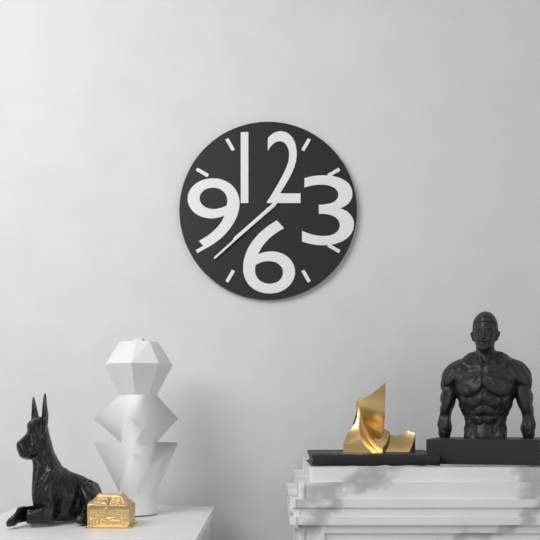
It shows 7:38
